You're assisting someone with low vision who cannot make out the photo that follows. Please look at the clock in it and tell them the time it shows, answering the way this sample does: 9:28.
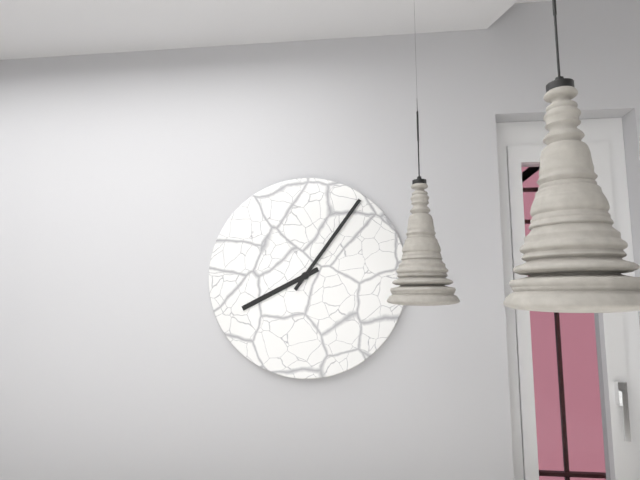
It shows 8:06
